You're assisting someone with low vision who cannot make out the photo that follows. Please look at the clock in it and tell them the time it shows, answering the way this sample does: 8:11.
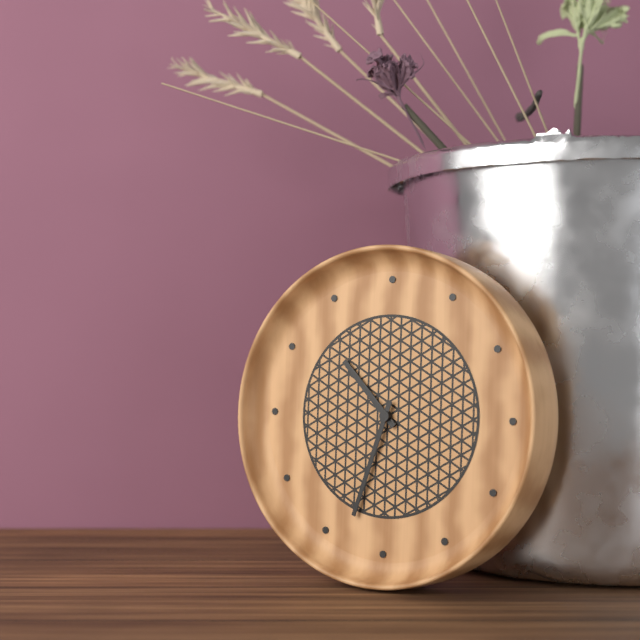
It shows 10:33
